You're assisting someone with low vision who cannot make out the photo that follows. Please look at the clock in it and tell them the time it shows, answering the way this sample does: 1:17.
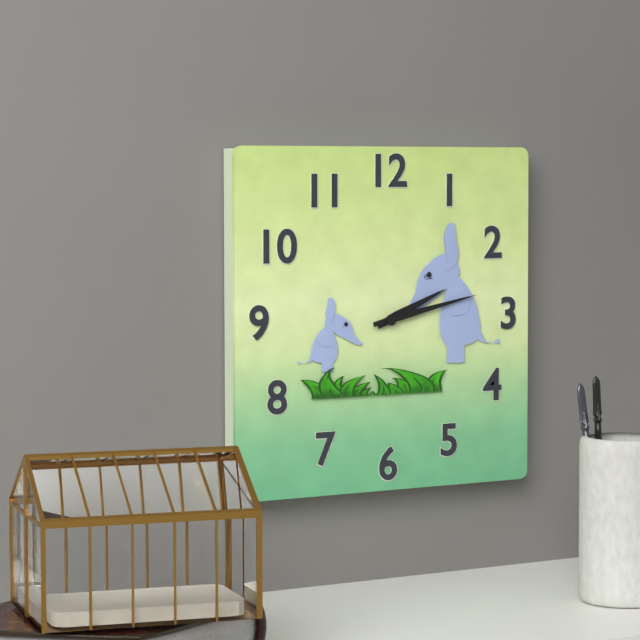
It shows 2:13
